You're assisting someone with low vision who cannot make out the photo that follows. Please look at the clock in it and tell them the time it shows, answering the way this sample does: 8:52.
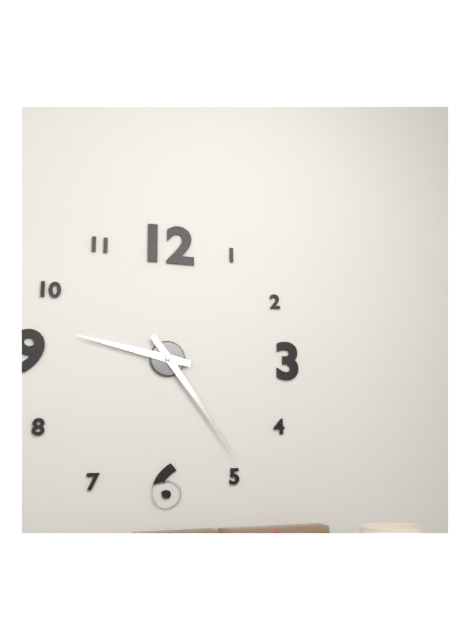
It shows 9:24
